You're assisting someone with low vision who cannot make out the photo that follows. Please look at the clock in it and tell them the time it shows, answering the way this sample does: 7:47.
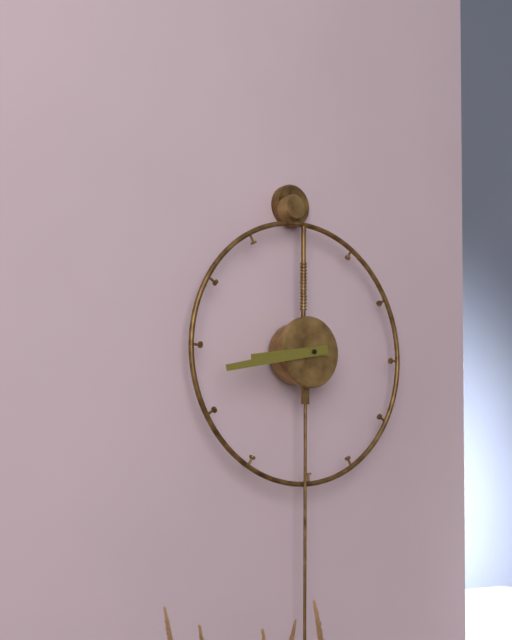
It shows 8:43
